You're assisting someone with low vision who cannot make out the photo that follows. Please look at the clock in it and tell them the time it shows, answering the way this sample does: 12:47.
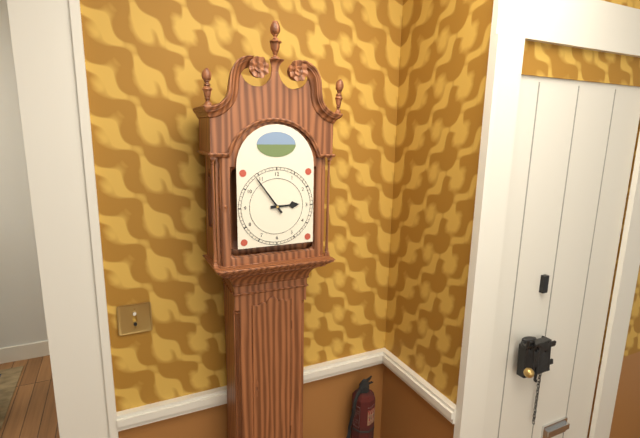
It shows 2:54
